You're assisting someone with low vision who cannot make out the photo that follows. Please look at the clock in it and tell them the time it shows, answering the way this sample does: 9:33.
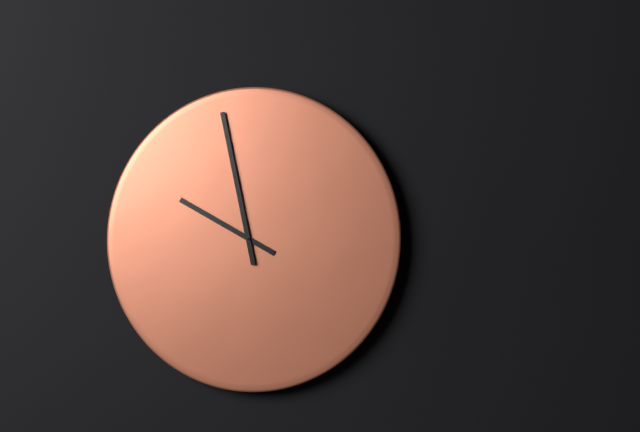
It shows 9:58
